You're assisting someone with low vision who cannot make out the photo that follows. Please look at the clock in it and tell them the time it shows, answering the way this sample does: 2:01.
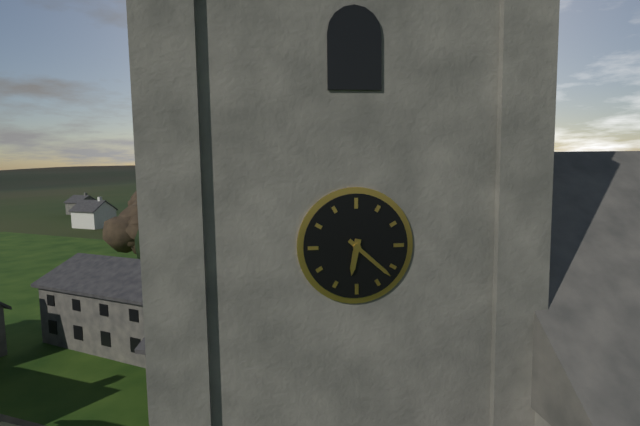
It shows 6:22
